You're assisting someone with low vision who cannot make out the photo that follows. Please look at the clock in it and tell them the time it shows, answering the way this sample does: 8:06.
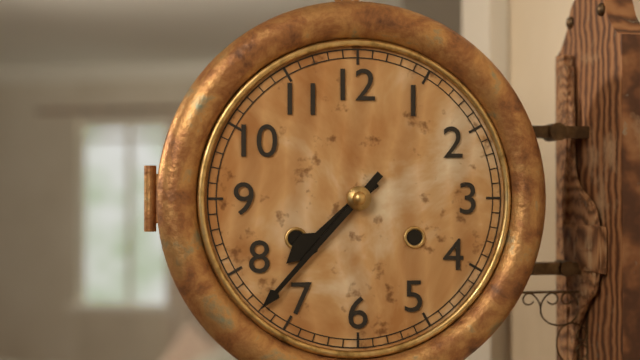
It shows 7:37
